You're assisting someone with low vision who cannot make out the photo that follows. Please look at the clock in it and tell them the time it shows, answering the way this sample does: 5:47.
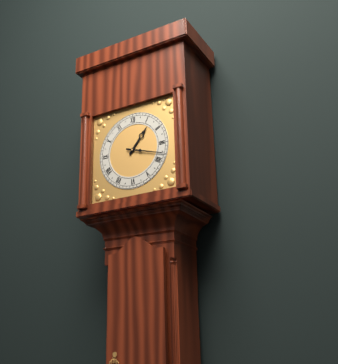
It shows 1:18
